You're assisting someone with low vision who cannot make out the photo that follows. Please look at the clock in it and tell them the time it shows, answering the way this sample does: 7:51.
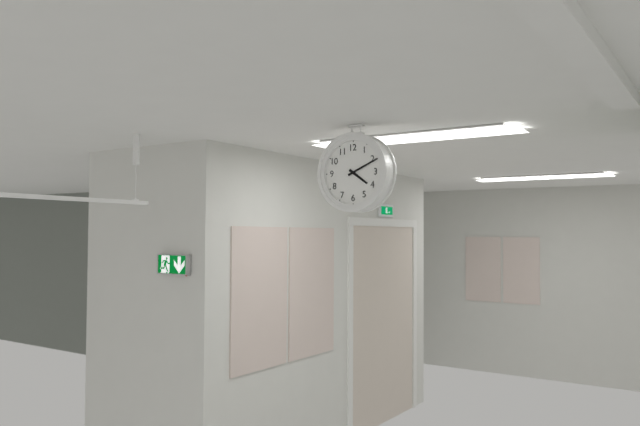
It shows 4:11
